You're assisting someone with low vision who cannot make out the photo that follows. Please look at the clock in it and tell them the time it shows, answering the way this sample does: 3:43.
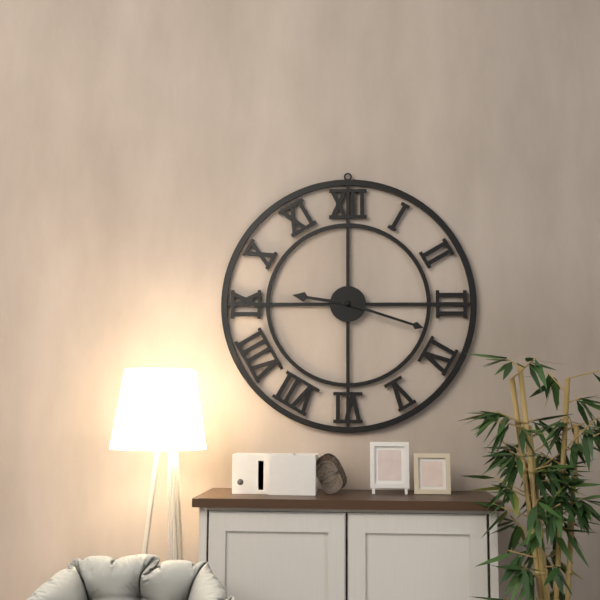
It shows 9:18
